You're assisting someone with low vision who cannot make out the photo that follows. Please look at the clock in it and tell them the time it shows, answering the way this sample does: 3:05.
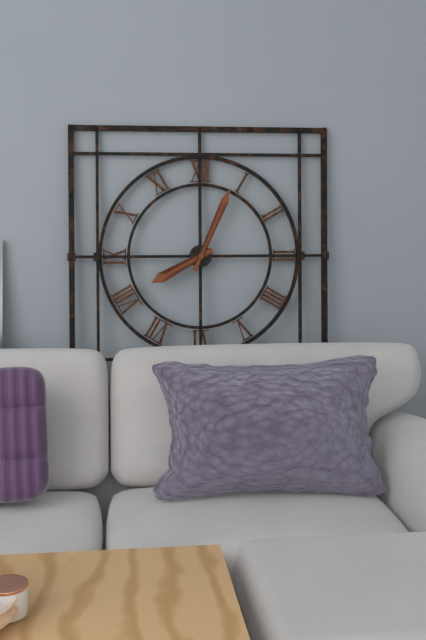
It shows 8:04
